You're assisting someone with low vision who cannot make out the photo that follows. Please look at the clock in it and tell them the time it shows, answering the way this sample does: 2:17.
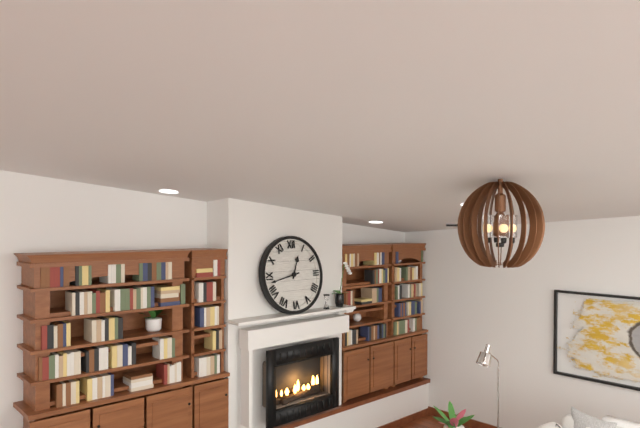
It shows 12:43
